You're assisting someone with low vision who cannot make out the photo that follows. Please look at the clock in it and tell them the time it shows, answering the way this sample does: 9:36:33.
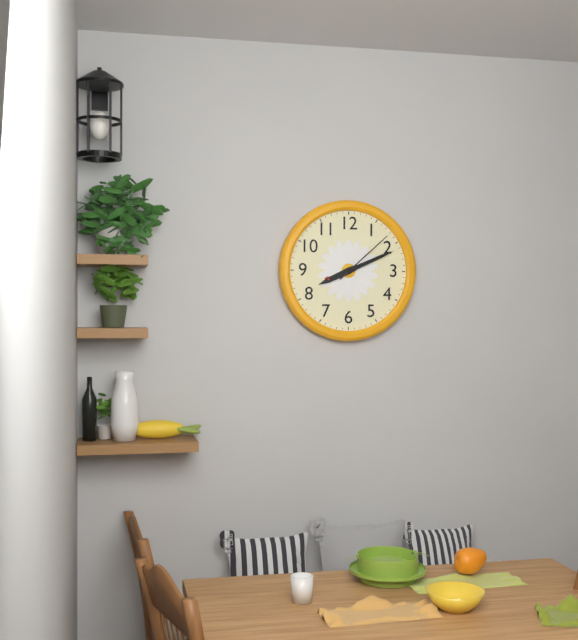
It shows 8:11:08
